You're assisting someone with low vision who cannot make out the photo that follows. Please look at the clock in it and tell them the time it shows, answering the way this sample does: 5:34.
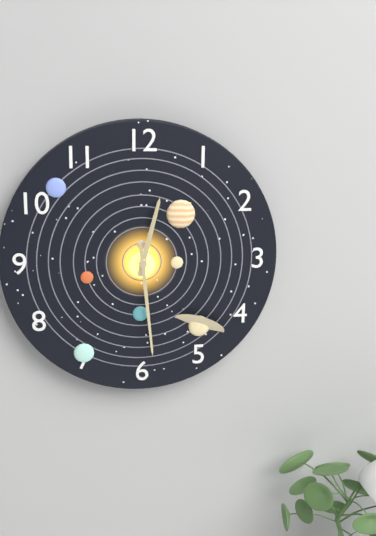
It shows 12:29
